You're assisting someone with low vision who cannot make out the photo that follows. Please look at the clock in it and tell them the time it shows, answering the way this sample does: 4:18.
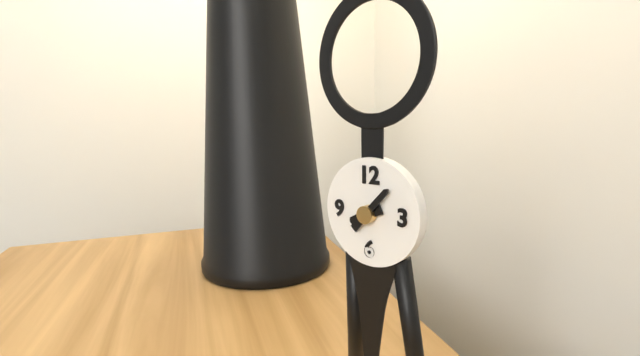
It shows 8:07
